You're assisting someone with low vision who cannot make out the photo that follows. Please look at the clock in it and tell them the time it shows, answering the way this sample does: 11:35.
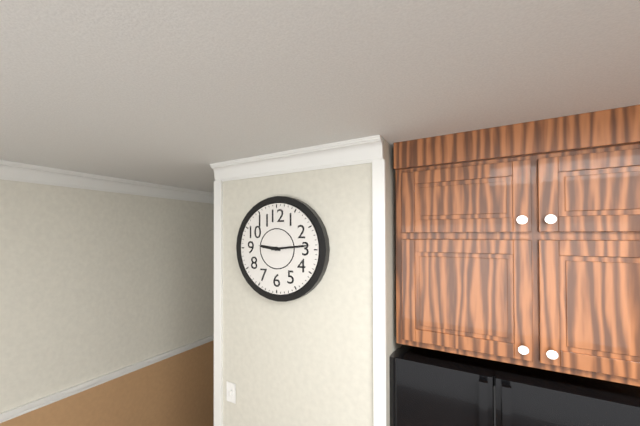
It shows 9:14
